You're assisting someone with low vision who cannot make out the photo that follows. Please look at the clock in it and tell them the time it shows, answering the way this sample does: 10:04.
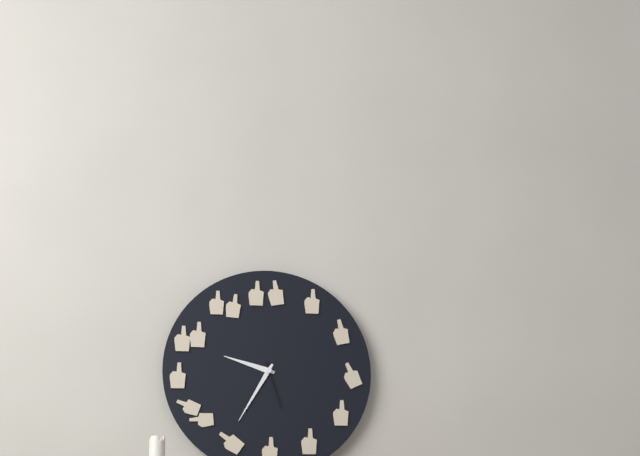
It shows 9:35
